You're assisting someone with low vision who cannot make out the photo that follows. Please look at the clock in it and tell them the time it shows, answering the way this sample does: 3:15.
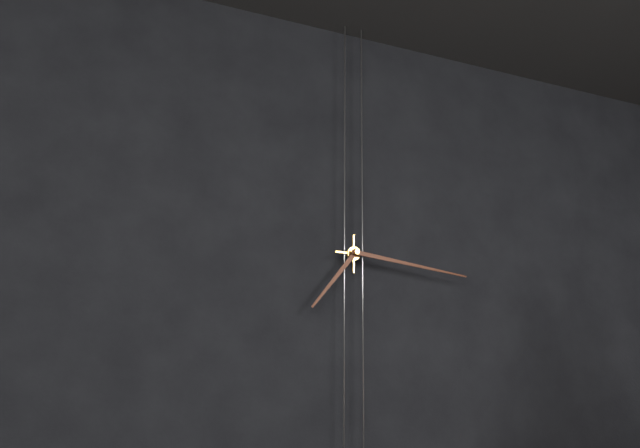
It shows 7:16
